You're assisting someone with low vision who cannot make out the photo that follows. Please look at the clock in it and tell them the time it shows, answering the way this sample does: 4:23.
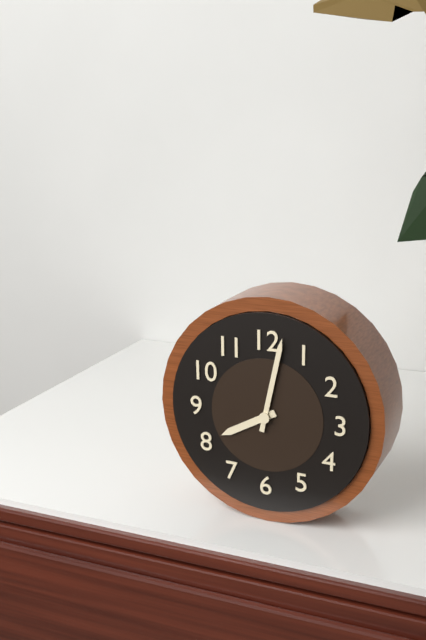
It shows 8:02
